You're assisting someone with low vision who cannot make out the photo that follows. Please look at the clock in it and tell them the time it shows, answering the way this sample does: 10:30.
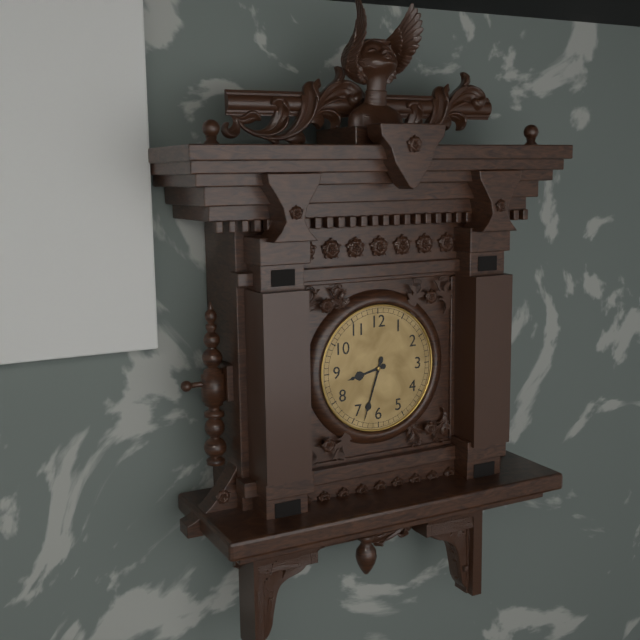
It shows 8:33
